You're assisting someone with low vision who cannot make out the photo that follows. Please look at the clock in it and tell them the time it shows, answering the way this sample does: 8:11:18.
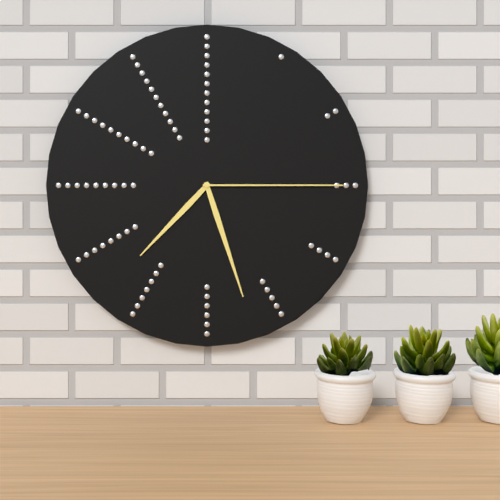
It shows 7:27:15
